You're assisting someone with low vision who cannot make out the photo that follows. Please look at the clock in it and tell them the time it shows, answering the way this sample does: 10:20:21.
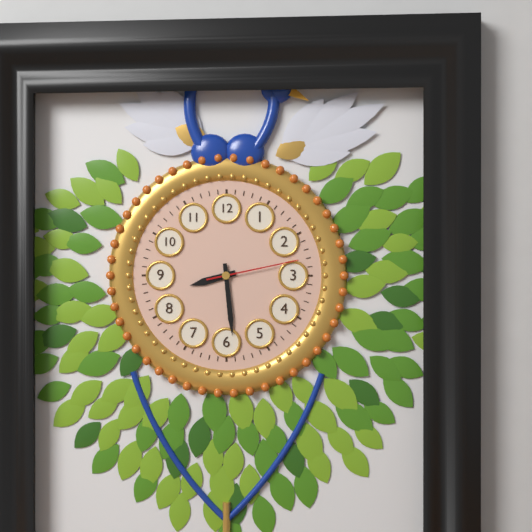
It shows 8:29:13
